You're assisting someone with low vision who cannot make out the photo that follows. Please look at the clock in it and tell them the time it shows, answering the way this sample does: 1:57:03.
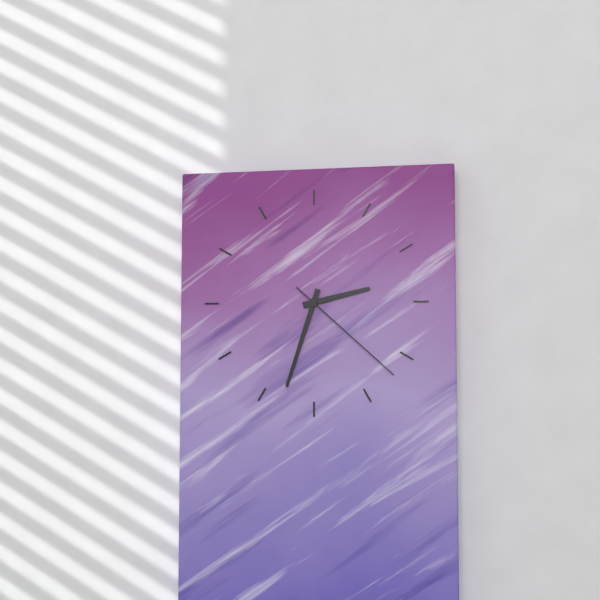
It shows 2:33:22
